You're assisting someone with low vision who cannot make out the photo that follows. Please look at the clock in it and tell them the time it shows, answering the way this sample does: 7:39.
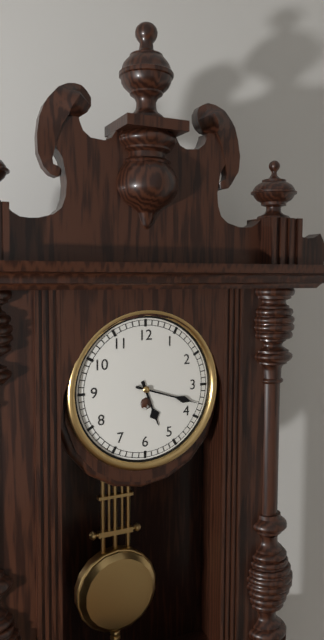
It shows 5:18
